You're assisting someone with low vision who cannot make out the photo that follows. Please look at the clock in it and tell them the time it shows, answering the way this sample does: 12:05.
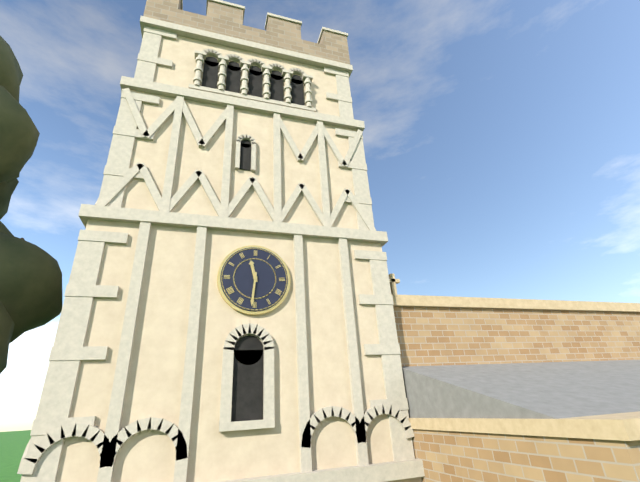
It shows 11:31
